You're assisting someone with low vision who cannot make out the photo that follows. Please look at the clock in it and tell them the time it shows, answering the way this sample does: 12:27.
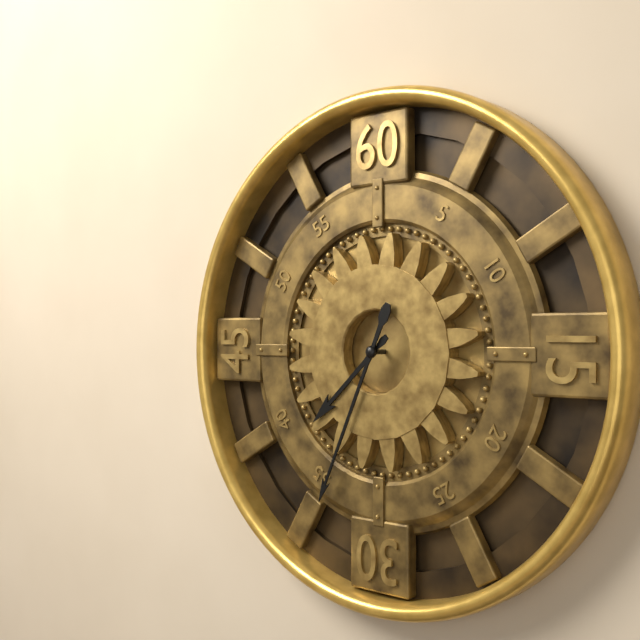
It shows 7:34
